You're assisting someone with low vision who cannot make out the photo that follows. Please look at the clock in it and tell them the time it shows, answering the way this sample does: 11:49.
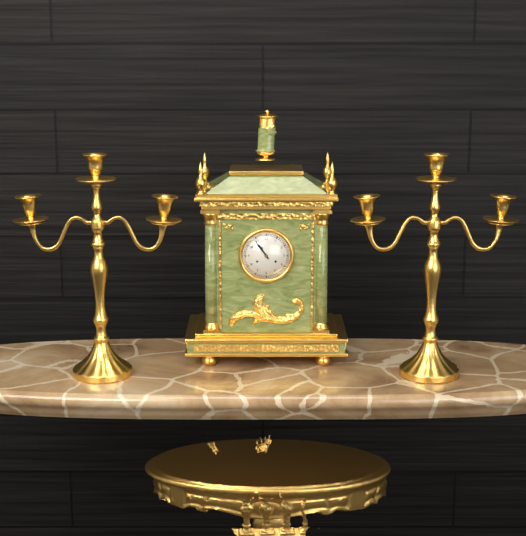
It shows 10:54
